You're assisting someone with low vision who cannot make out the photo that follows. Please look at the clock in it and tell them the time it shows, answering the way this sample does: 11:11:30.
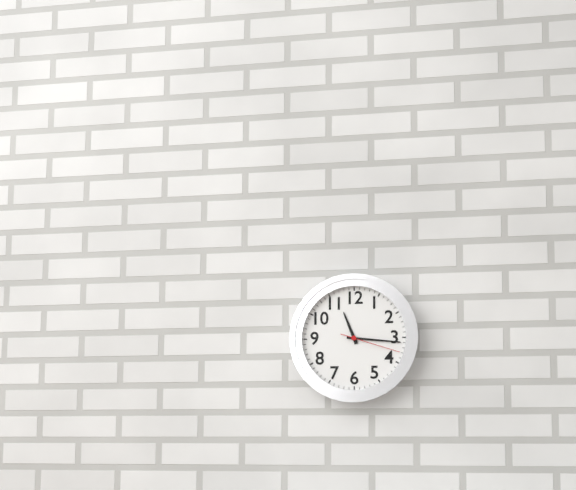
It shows 11:16:18
